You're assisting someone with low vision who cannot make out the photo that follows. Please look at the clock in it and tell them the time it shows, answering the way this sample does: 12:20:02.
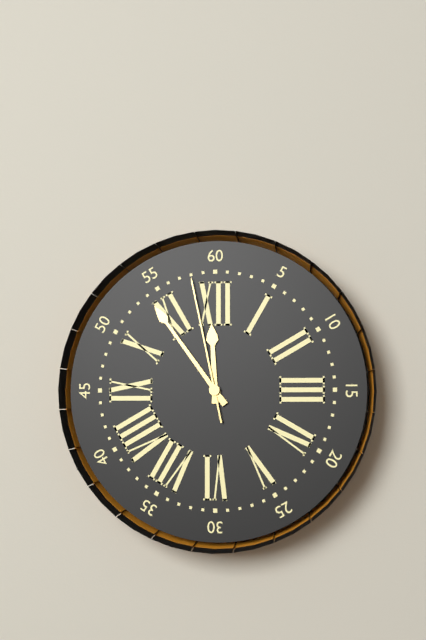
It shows 11:54:58
